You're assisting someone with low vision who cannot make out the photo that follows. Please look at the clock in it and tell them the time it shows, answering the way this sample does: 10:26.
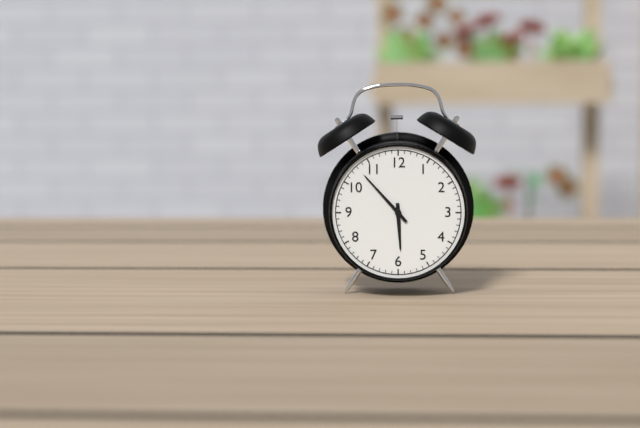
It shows 5:53
